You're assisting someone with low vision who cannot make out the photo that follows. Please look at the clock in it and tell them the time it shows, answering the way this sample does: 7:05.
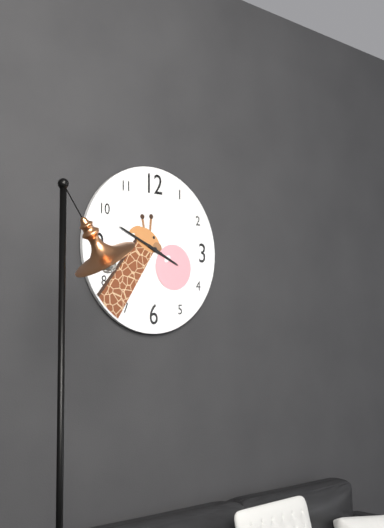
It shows 3:49
